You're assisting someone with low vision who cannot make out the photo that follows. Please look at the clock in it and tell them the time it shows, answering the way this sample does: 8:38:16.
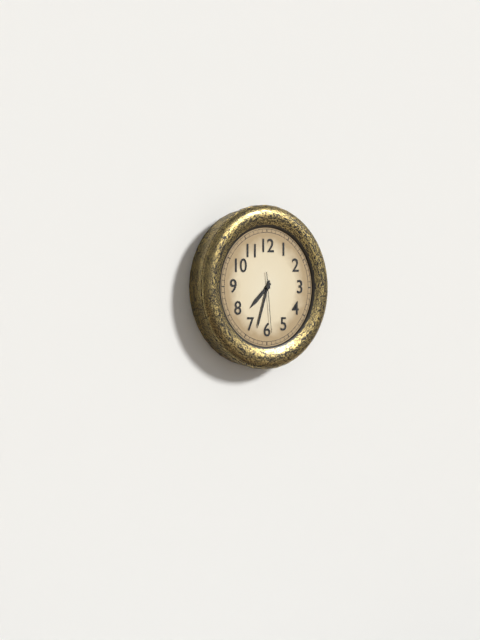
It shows 7:33:29
